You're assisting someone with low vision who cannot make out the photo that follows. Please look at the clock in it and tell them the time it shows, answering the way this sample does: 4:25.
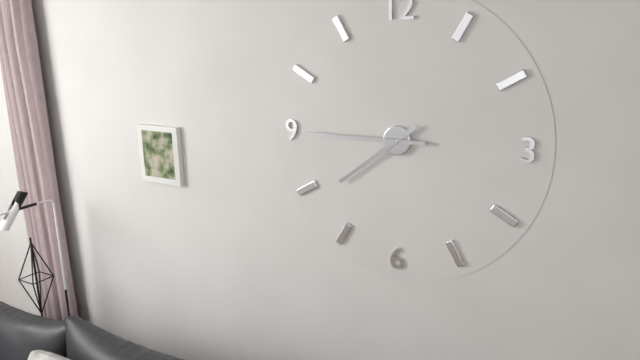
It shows 7:45
